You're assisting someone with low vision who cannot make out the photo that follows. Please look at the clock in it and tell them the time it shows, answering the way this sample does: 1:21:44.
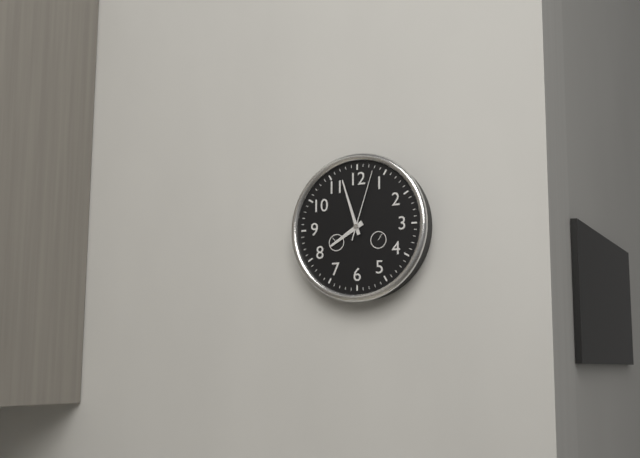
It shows 7:57:03
